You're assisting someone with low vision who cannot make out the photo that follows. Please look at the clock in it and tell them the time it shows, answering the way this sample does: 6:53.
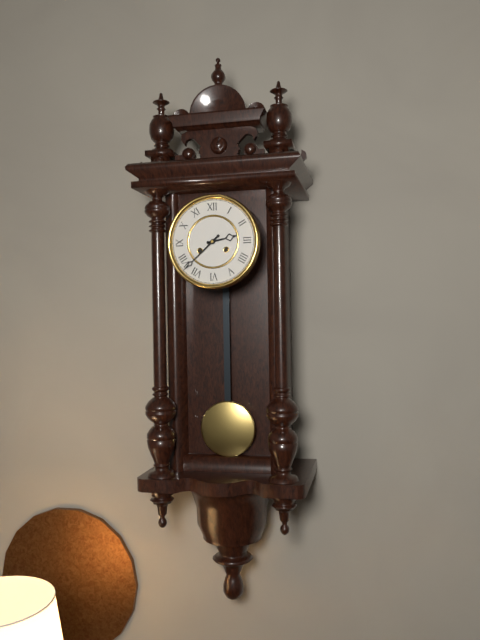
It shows 2:38
